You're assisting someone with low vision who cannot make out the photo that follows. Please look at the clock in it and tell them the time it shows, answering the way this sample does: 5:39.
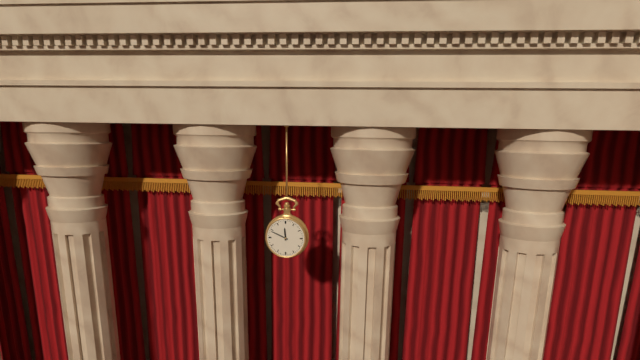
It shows 11:49
